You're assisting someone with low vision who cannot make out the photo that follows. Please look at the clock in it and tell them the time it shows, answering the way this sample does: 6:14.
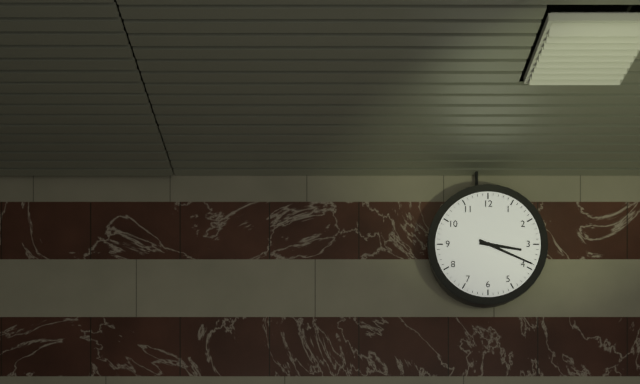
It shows 3:19
